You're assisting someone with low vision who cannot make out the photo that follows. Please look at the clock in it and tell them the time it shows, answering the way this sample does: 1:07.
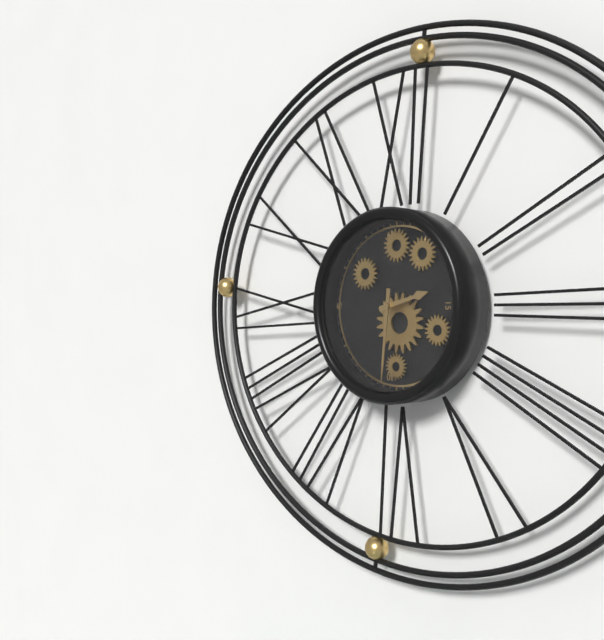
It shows 2:31
